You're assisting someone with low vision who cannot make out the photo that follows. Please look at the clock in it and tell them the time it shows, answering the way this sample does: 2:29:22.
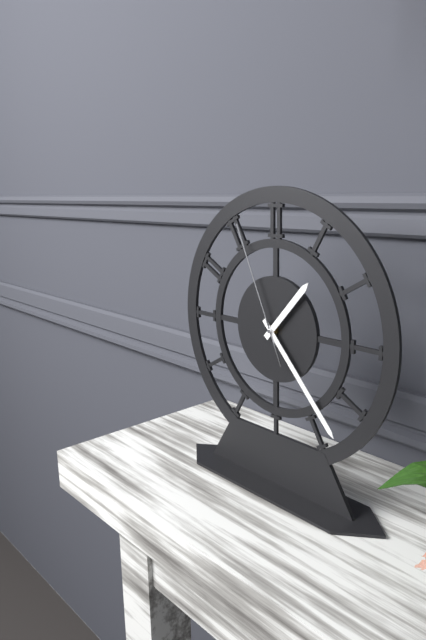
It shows 1:23:56
